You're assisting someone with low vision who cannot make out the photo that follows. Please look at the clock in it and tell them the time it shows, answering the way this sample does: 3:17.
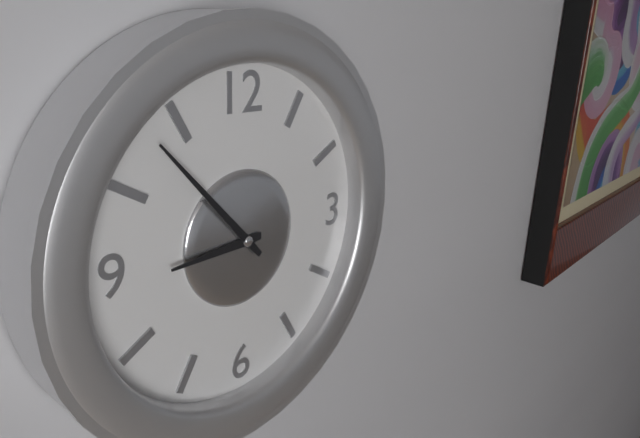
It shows 8:53
